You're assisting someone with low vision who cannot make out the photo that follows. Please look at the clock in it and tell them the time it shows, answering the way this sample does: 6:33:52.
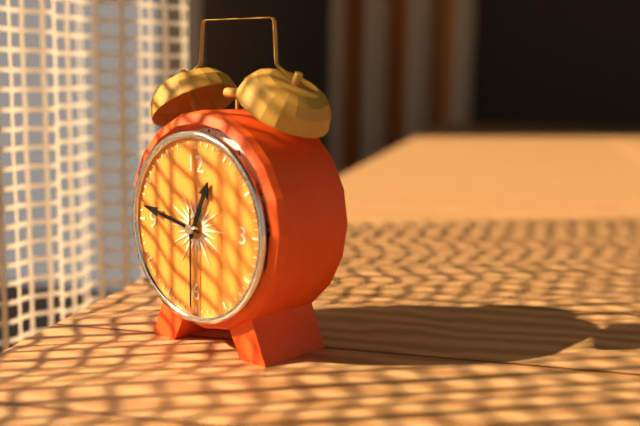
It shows 12:47:30
